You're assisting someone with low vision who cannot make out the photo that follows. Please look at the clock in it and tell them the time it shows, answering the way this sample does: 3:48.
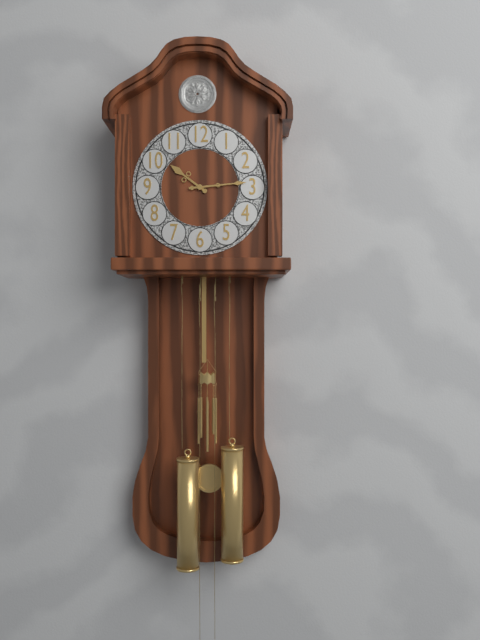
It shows 10:14
